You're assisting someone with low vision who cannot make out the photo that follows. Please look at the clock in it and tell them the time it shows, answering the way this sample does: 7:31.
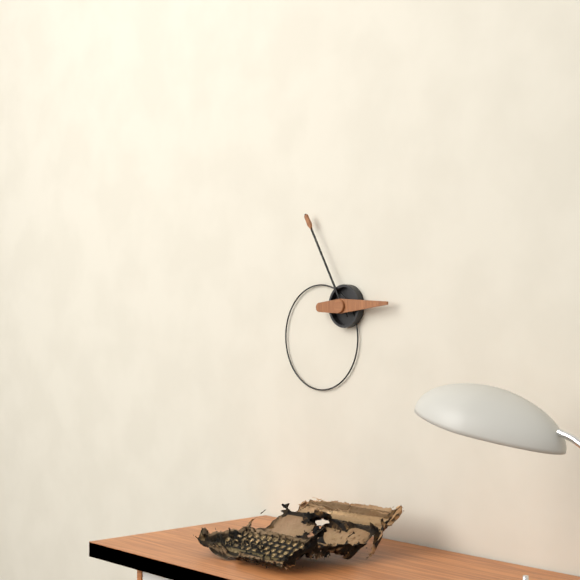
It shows 2:55
